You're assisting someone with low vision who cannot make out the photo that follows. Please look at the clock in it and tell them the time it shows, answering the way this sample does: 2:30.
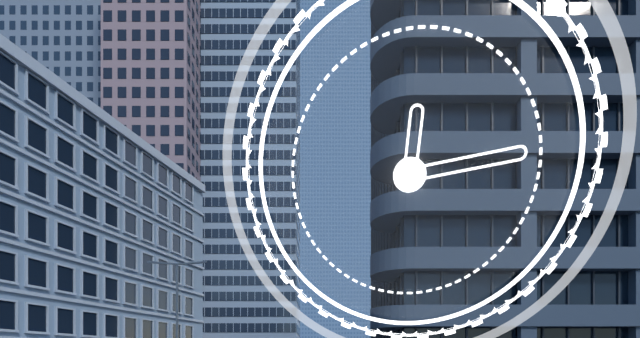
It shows 12:14
